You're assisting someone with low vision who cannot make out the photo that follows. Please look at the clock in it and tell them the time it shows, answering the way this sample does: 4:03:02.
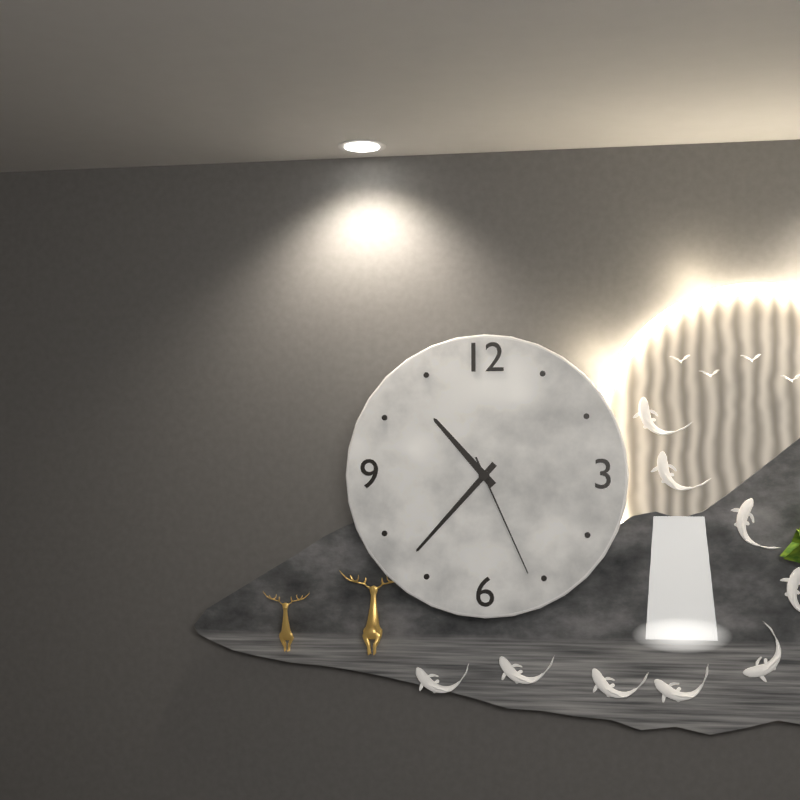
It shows 10:37:26
